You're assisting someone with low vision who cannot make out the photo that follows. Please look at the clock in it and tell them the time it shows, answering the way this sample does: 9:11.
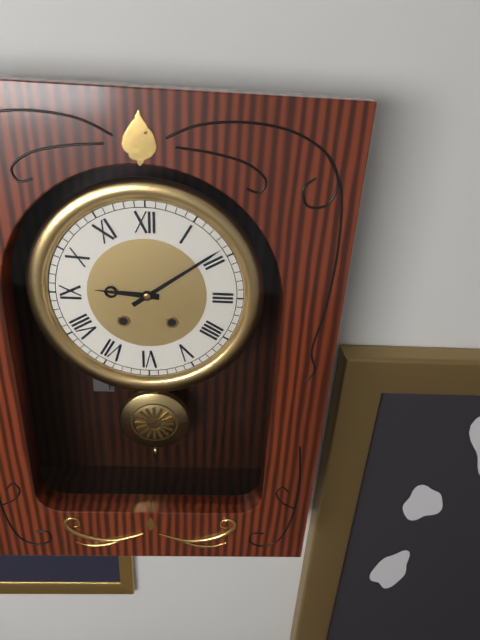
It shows 9:09
